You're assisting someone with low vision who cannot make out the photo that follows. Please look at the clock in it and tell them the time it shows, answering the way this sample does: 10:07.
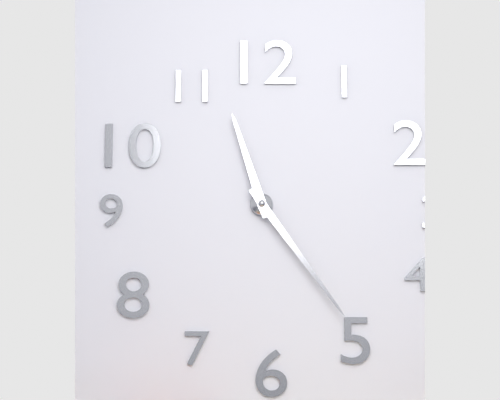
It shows 11:24
